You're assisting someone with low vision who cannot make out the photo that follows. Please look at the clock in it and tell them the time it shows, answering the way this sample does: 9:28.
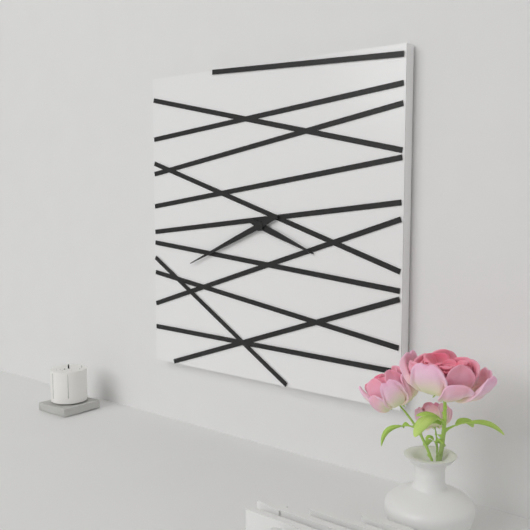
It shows 3:41
